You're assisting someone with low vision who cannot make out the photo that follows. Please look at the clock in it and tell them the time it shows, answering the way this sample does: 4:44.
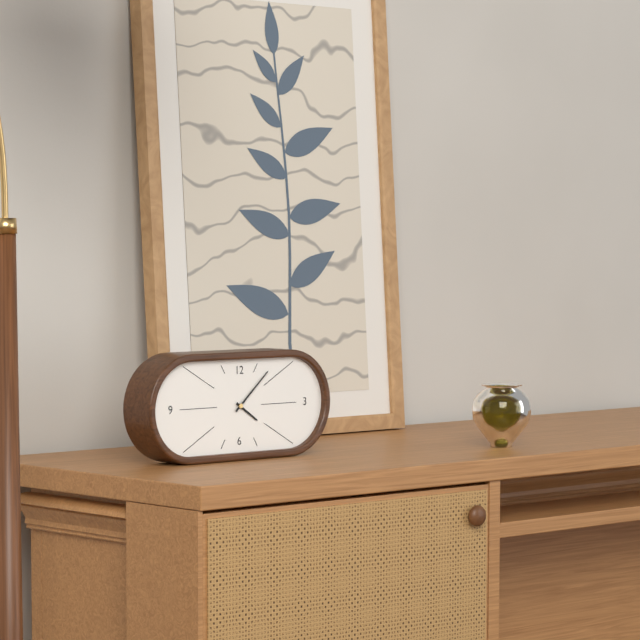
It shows 4:08
